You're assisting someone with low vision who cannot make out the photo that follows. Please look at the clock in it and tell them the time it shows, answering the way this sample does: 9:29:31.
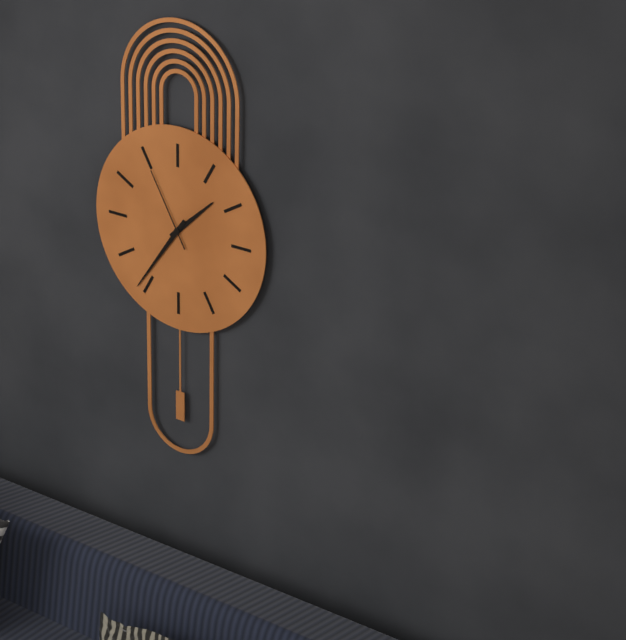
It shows 1:36:55
